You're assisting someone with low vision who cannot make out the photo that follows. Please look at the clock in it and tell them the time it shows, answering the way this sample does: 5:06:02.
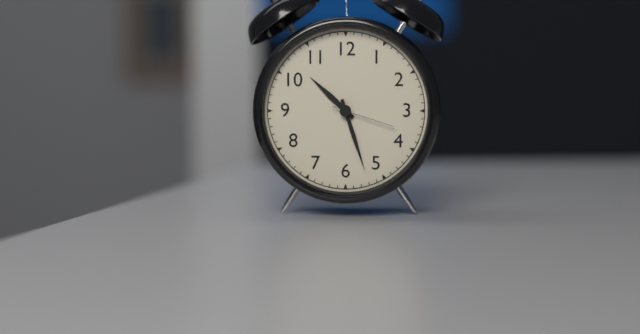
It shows 10:27:18
